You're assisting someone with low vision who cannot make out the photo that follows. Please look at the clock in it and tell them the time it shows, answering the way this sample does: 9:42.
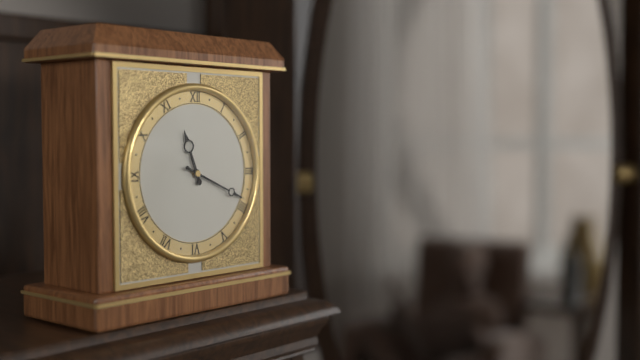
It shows 11:19
